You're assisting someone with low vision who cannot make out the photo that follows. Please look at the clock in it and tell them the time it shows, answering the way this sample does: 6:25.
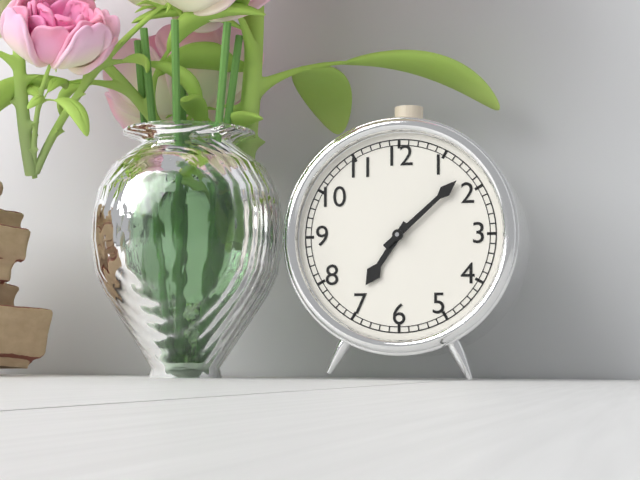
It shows 7:08
